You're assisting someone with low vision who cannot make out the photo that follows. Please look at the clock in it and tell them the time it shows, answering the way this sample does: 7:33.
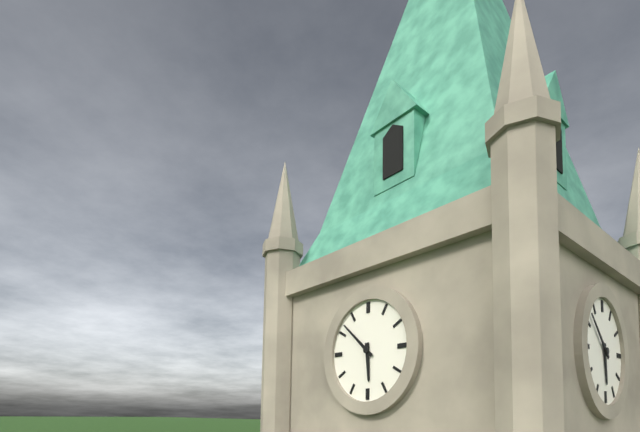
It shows 5:52
